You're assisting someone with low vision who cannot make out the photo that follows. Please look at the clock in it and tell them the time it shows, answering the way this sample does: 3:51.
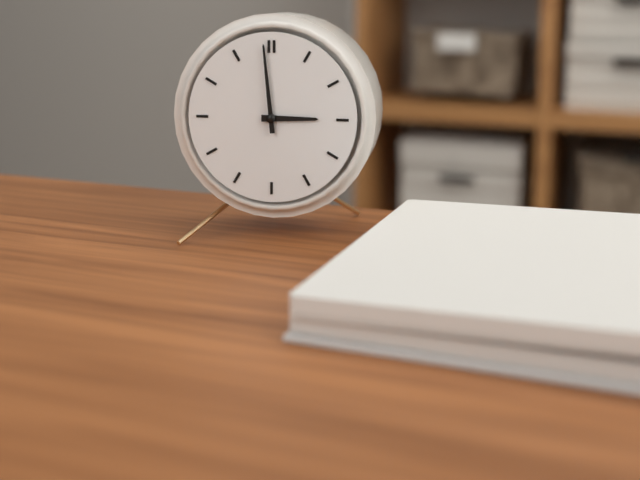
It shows 2:59
